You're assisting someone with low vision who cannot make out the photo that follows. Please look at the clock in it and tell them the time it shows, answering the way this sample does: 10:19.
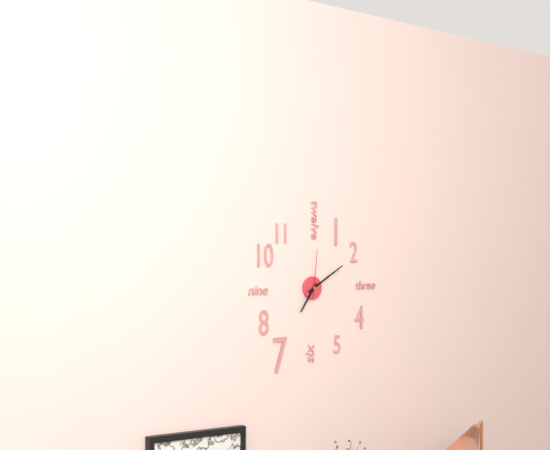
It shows 7:10
